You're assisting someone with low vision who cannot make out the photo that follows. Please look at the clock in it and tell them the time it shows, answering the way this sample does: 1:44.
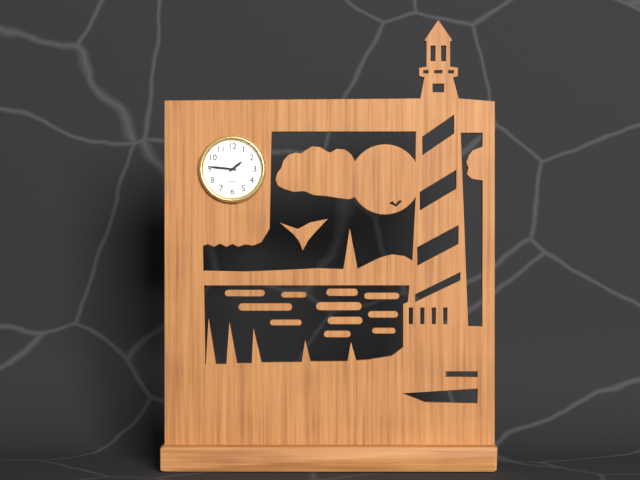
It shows 1:46
